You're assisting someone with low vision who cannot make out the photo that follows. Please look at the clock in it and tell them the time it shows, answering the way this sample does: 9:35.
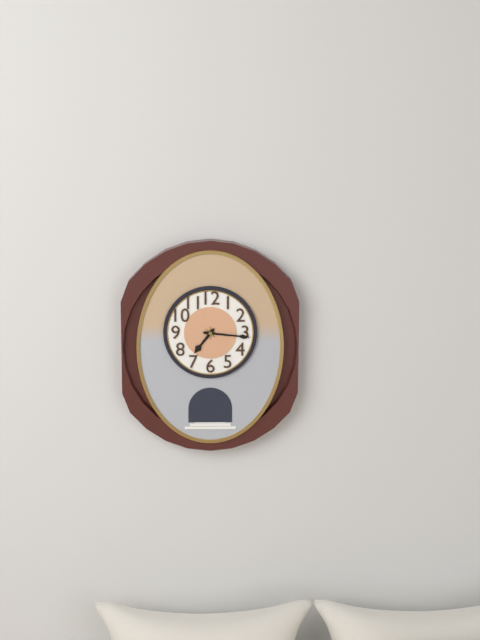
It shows 7:16
